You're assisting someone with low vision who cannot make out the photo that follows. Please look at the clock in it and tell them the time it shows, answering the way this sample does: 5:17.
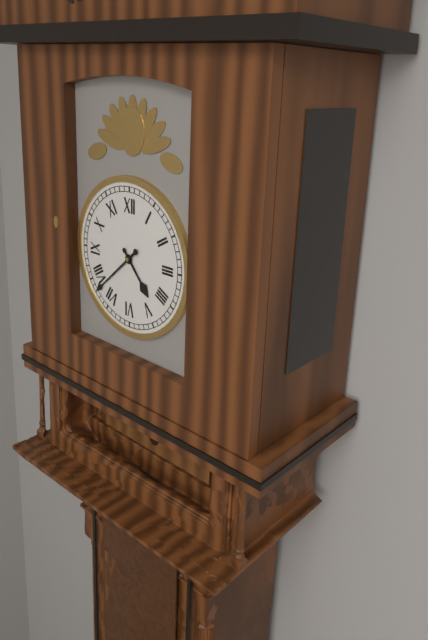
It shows 4:38
